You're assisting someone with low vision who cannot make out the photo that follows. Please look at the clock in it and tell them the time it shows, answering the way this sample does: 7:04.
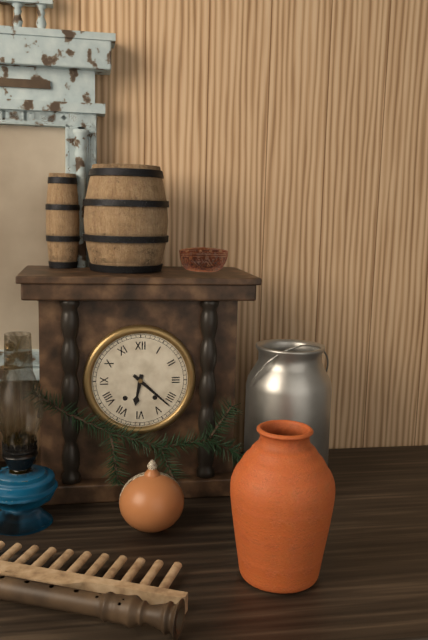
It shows 6:22
